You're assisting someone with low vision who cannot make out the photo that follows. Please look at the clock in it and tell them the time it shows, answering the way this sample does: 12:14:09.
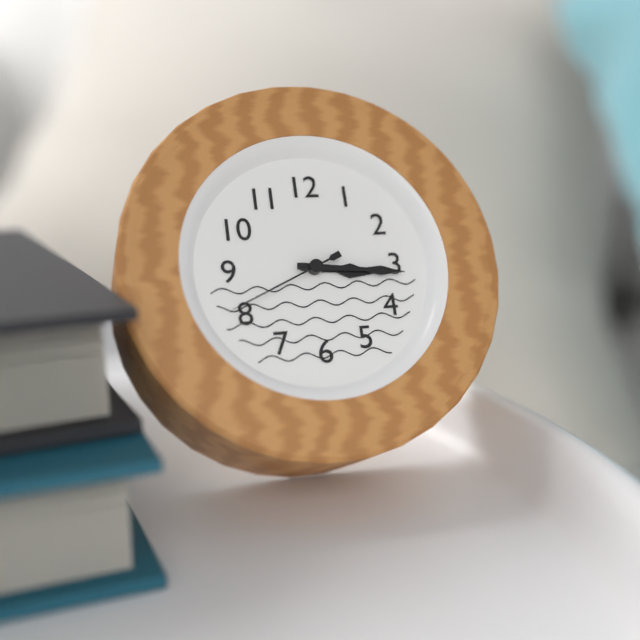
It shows 3:16:41
